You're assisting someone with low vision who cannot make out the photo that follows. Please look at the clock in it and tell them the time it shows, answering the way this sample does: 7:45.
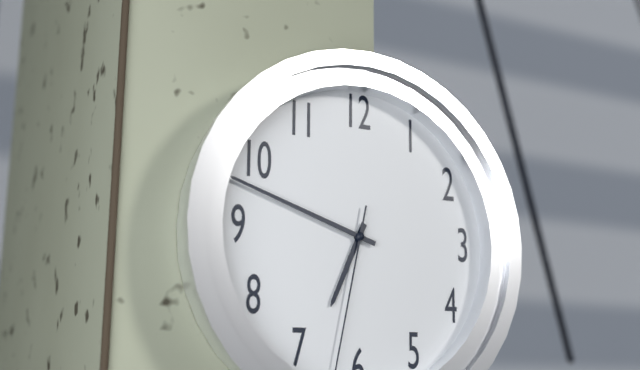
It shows 6:48
